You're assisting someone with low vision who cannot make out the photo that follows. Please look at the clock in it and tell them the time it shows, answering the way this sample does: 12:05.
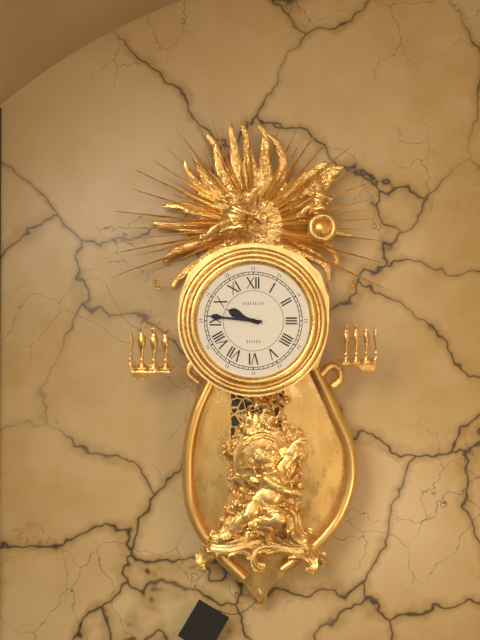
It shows 9:46
